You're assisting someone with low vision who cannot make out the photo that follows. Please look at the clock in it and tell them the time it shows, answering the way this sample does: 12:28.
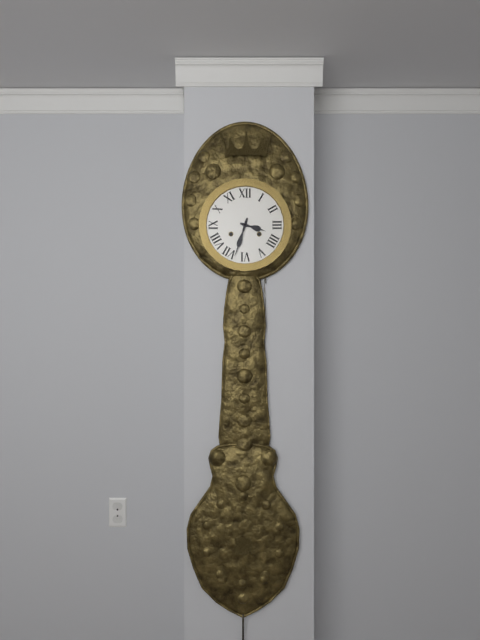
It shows 3:33
